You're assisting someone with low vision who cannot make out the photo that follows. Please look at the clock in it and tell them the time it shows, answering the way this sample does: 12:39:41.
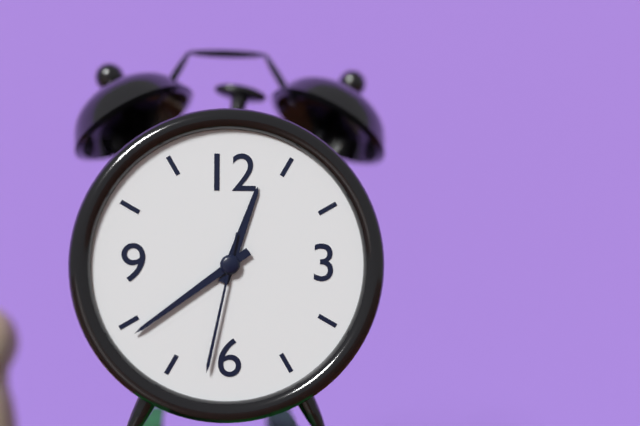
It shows 12:39:32
